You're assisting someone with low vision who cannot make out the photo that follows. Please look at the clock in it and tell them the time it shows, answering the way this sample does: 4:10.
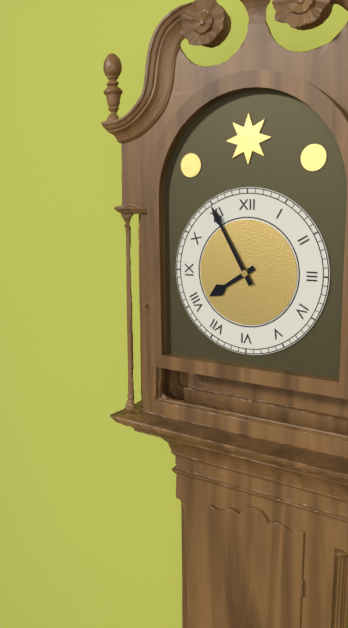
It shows 7:55
